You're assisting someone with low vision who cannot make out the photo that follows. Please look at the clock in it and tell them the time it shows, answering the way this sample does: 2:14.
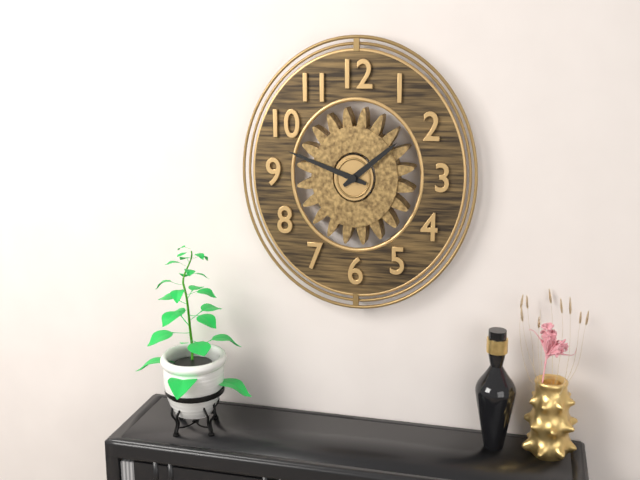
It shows 1:48
